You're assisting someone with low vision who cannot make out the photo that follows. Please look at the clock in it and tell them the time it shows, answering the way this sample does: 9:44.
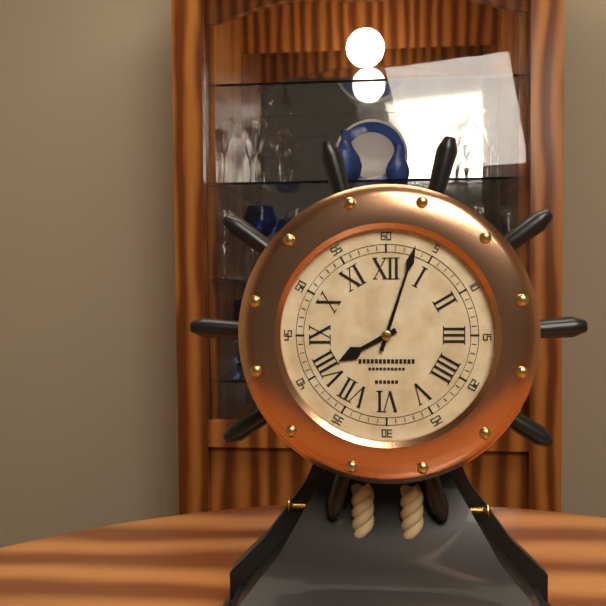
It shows 8:03
